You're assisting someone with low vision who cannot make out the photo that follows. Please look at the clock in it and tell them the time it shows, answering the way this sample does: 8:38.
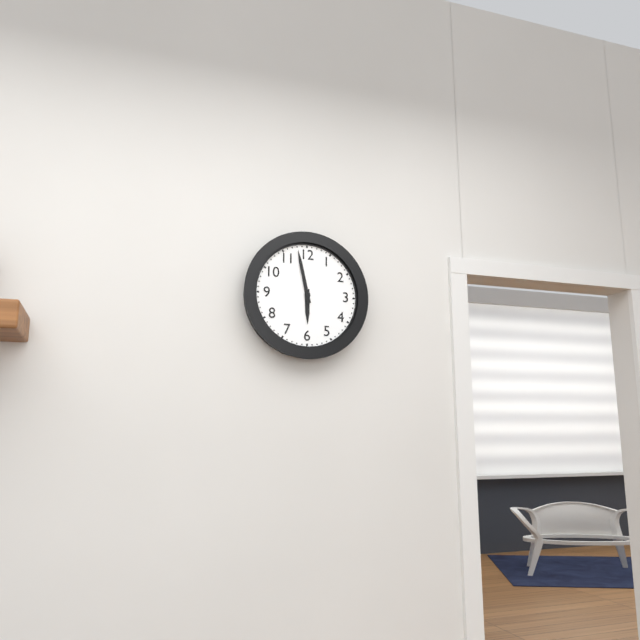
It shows 5:58
